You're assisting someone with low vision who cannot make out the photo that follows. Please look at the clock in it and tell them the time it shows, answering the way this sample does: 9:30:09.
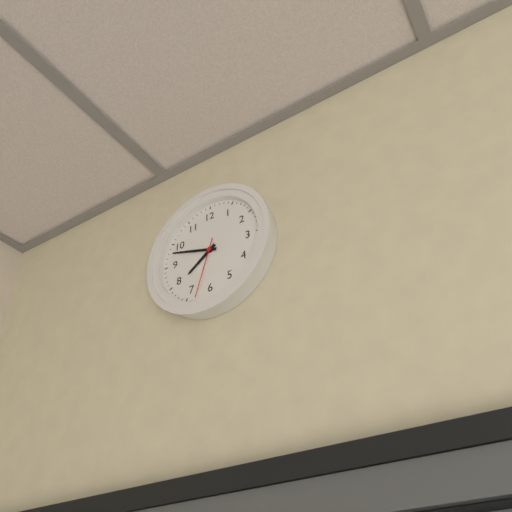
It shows 7:48:33
